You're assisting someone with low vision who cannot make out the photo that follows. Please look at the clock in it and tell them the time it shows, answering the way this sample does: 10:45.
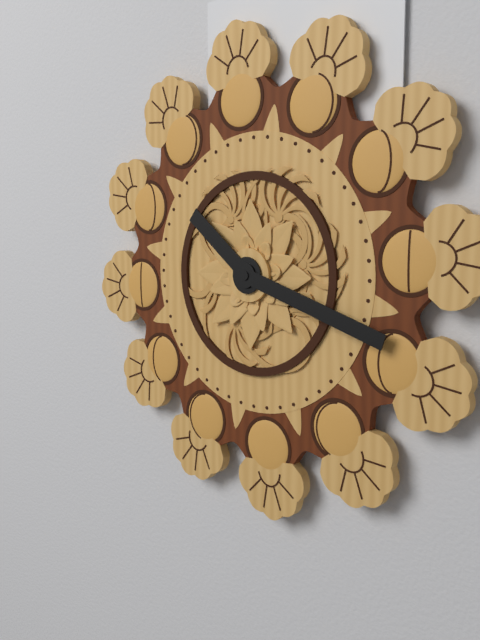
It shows 10:18
